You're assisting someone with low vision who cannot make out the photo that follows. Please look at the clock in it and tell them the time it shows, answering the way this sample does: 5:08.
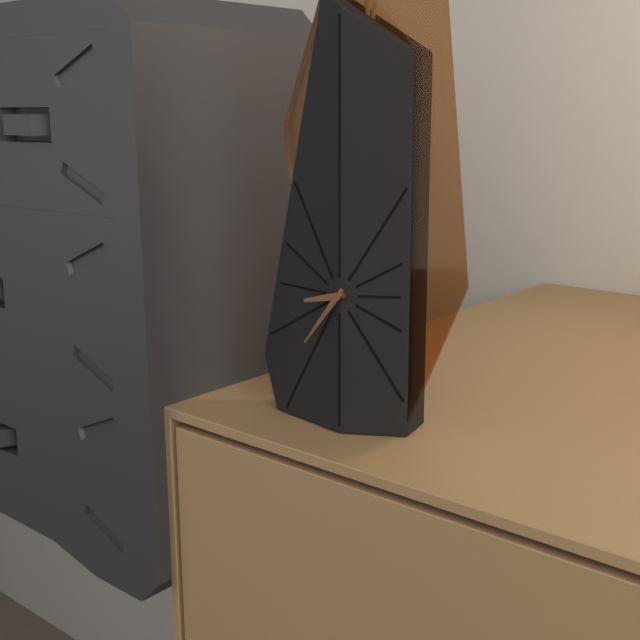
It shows 8:36
